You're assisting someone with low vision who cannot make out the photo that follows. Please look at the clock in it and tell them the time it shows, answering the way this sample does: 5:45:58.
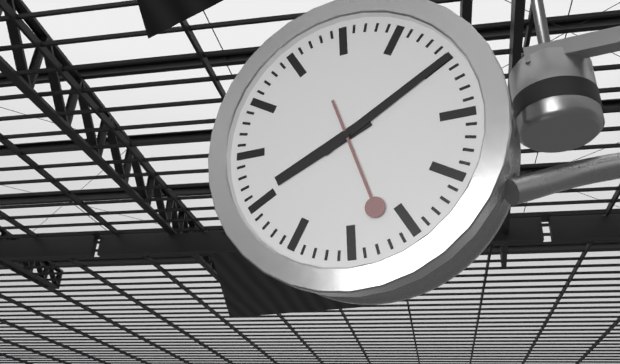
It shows 8:10:27
